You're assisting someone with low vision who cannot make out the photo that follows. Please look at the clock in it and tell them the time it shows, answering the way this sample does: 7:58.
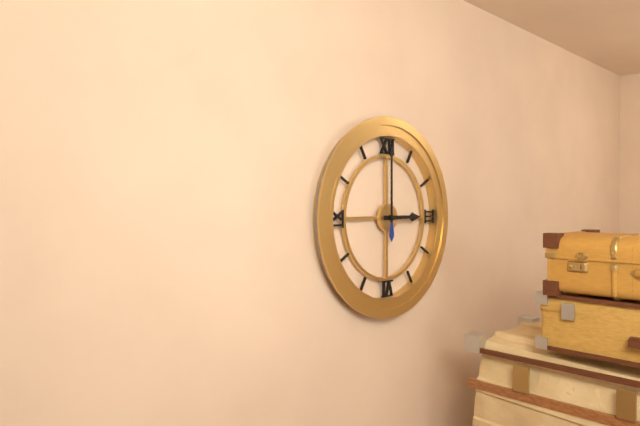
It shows 3:00
